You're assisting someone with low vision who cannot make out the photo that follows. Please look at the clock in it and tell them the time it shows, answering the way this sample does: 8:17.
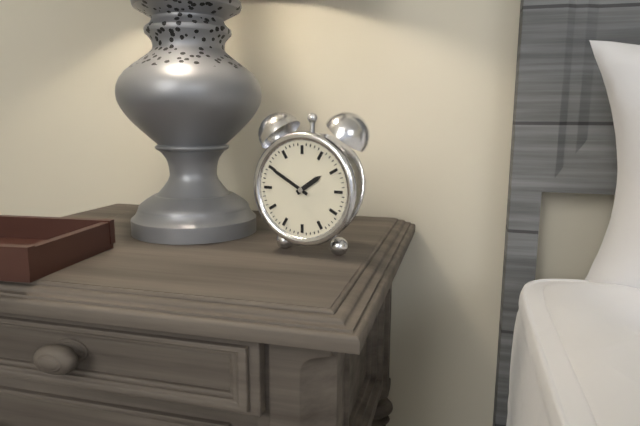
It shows 1:50
